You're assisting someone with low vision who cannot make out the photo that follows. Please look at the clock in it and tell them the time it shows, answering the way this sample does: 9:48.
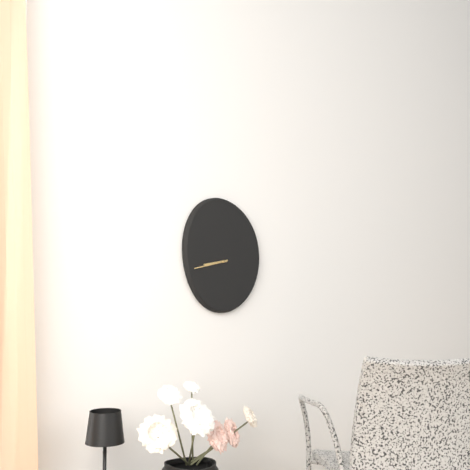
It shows 8:43
